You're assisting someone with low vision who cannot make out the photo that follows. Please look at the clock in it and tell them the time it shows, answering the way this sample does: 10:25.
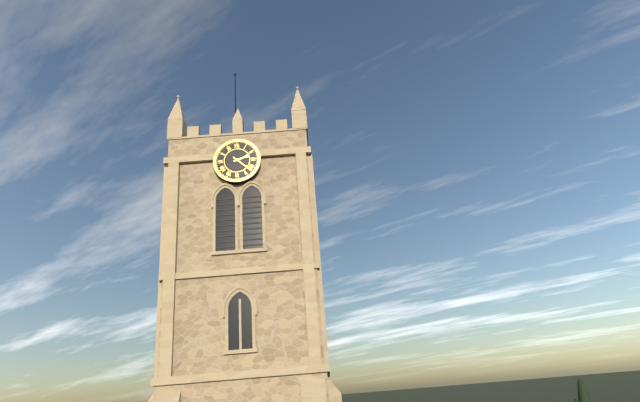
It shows 2:22
